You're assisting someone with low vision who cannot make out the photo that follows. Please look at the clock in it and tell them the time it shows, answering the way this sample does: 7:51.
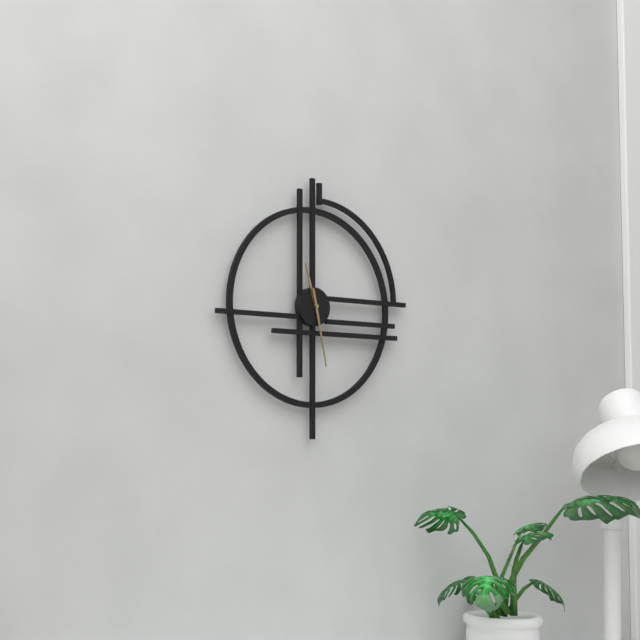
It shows 11:28
